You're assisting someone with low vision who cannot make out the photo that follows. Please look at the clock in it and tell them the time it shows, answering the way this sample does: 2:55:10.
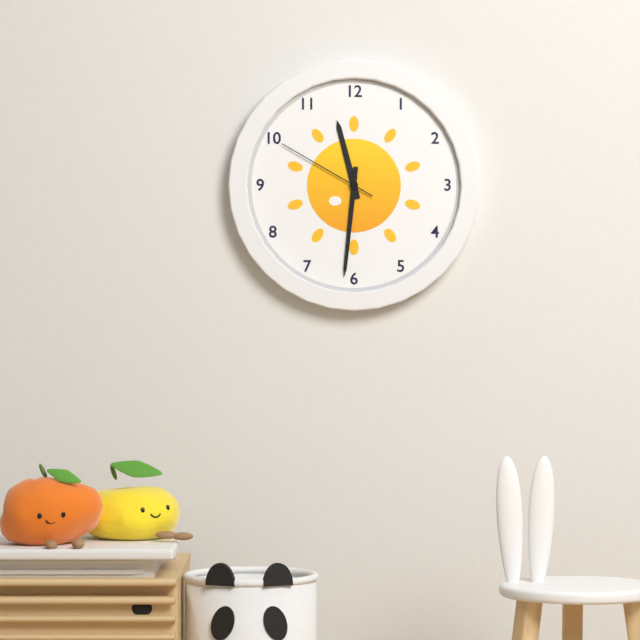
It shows 11:31:50
